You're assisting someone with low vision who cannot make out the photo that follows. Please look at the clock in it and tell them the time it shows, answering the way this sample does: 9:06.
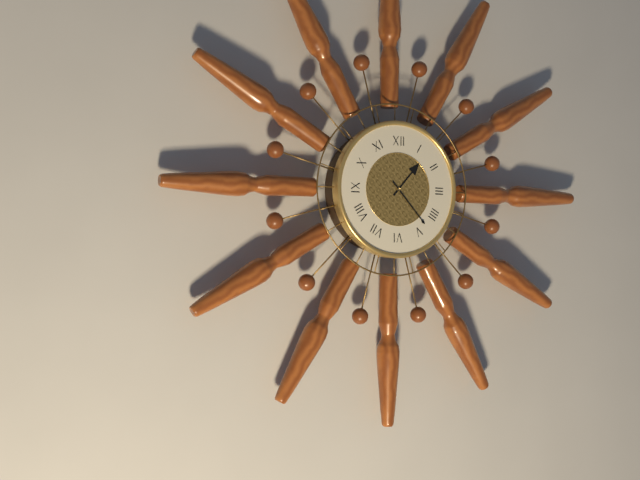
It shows 1:23
